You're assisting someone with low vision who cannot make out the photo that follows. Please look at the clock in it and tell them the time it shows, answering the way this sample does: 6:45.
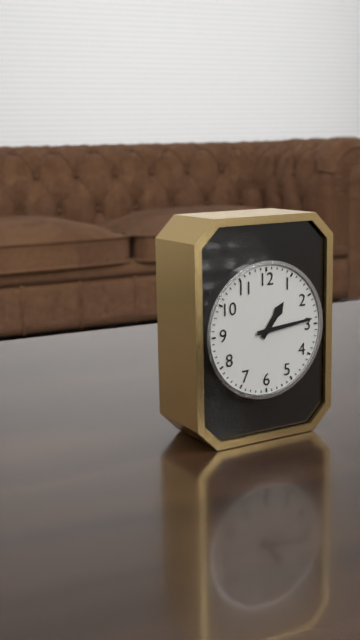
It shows 1:14
